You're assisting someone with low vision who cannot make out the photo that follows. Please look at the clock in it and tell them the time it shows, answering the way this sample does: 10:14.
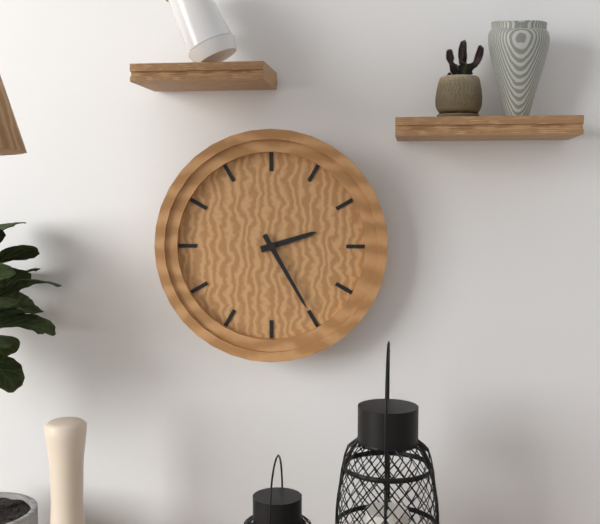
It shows 2:25
